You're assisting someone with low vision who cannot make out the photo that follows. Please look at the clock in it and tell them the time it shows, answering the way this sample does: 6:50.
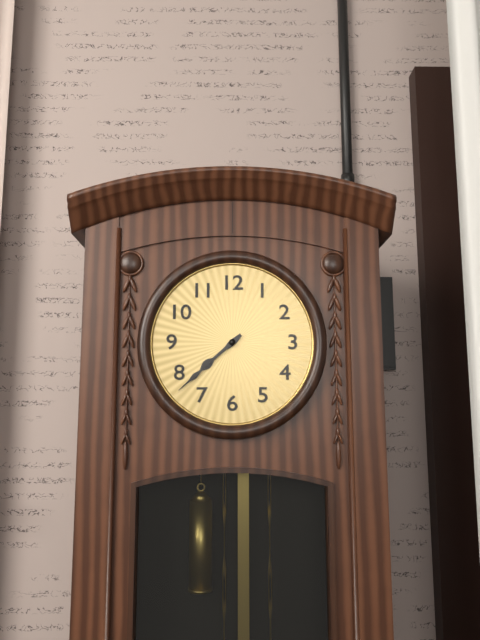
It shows 7:38
